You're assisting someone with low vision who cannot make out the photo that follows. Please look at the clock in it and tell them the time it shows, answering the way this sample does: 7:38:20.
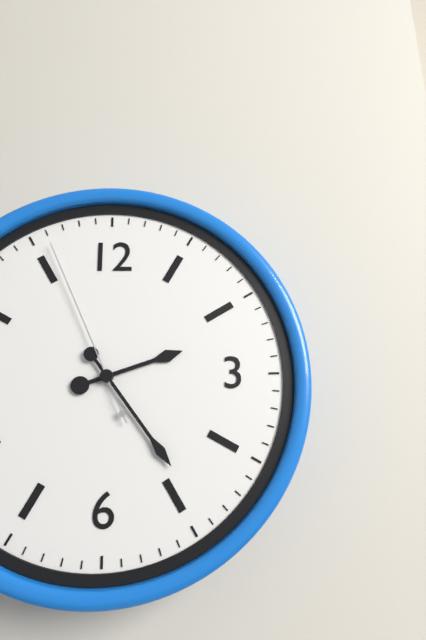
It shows 2:24:56
